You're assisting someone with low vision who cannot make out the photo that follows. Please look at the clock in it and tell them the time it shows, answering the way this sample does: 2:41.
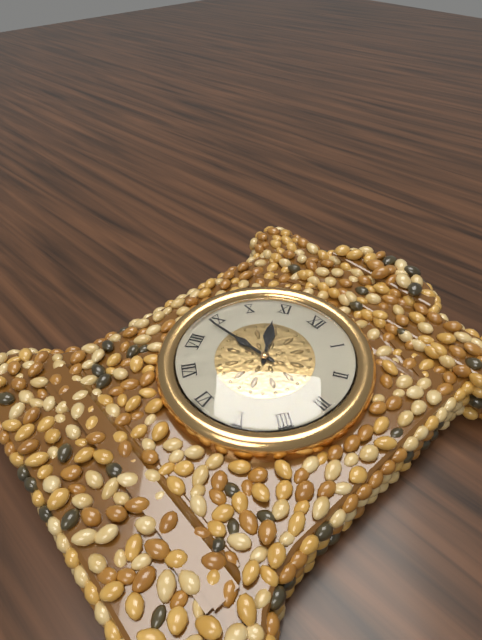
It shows 10:44
